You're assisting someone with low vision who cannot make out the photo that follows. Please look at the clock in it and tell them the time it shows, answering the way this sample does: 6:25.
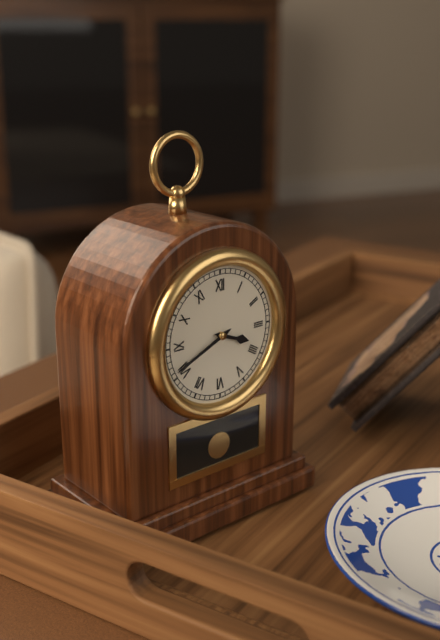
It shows 3:41
